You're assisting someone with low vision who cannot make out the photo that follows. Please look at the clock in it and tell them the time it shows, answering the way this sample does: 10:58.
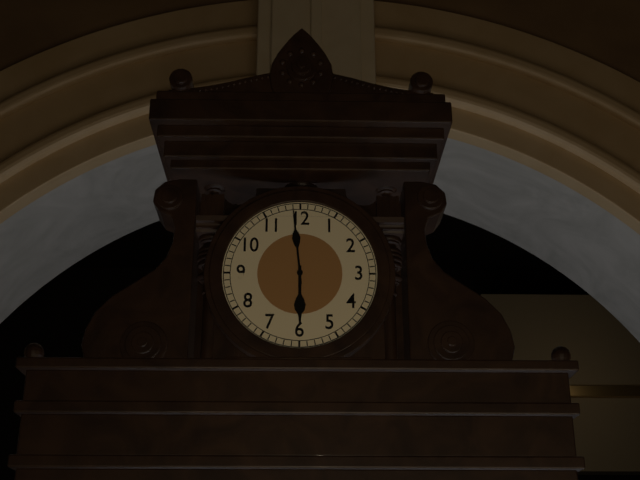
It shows 5:59
